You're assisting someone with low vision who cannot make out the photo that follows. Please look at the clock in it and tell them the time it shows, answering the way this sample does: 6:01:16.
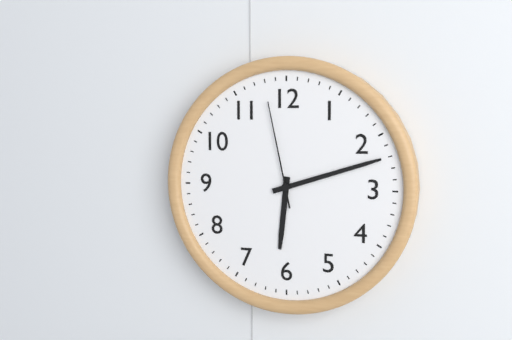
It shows 6:12:58
